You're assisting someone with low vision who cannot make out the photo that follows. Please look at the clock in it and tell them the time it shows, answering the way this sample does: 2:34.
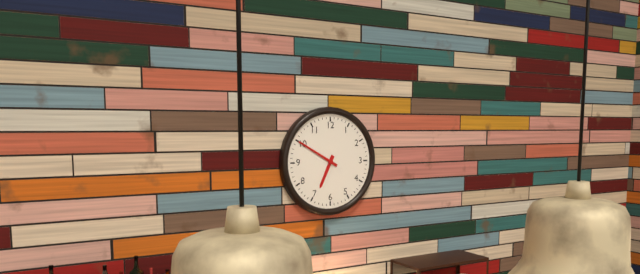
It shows 6:50
